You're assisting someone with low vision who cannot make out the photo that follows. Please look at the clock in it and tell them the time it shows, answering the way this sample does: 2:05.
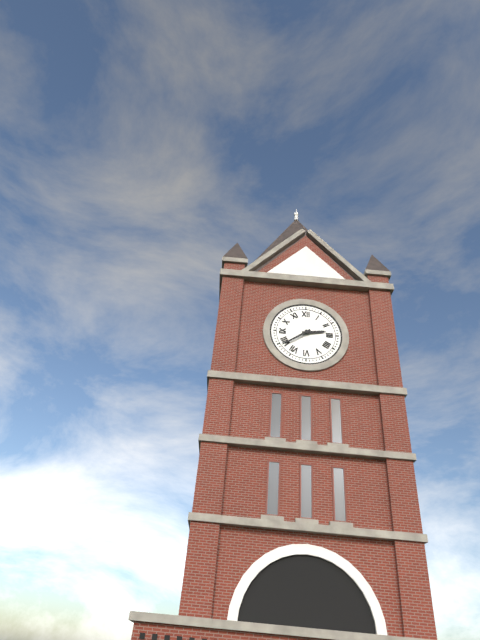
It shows 2:39
